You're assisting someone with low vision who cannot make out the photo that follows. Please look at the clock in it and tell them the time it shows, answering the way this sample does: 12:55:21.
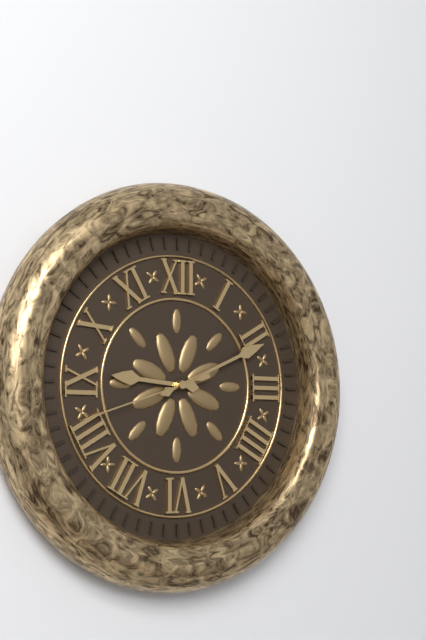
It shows 9:11:42
